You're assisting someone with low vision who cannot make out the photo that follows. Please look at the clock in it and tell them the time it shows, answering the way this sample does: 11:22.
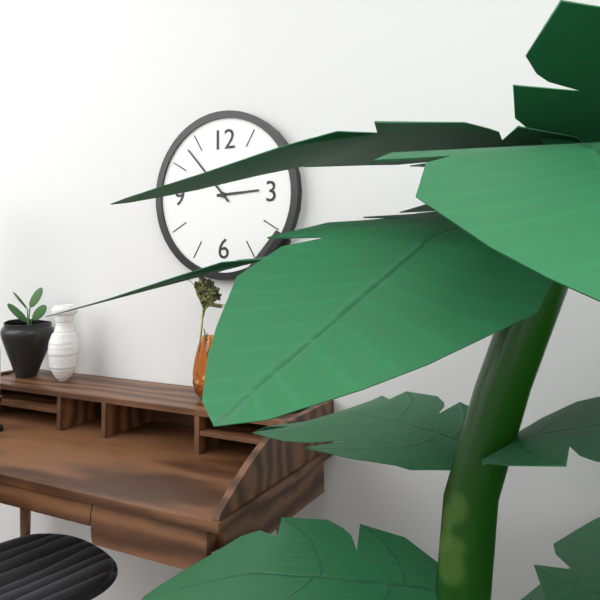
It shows 2:53
